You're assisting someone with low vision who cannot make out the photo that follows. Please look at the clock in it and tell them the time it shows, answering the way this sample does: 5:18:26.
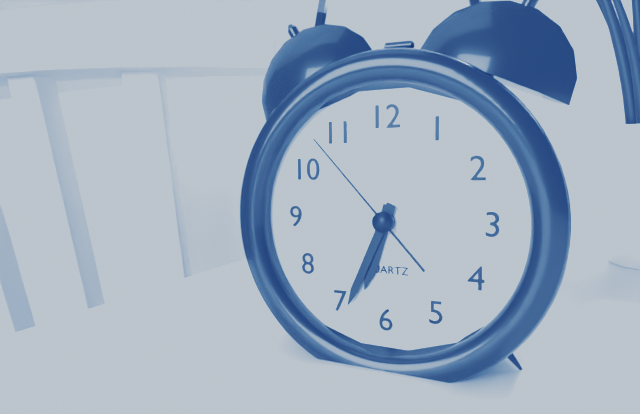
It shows 6:34:53
